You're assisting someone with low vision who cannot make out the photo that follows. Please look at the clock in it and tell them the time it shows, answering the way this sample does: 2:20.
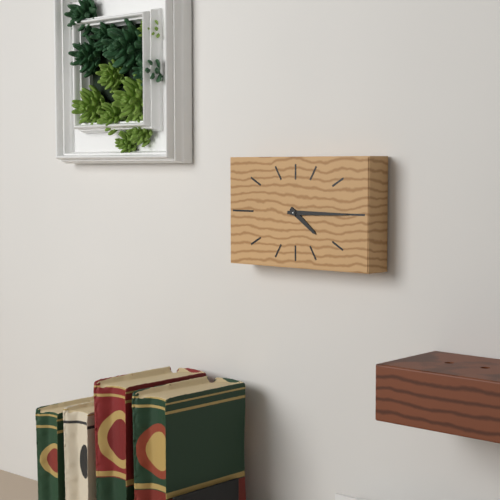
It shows 4:15
